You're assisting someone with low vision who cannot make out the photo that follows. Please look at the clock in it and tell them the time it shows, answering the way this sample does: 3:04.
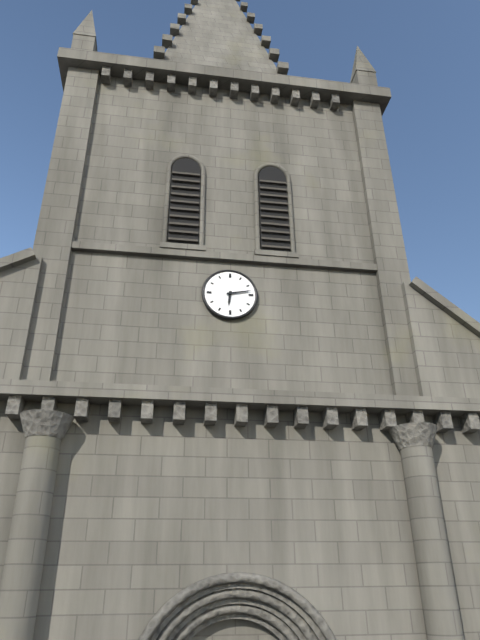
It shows 6:13
